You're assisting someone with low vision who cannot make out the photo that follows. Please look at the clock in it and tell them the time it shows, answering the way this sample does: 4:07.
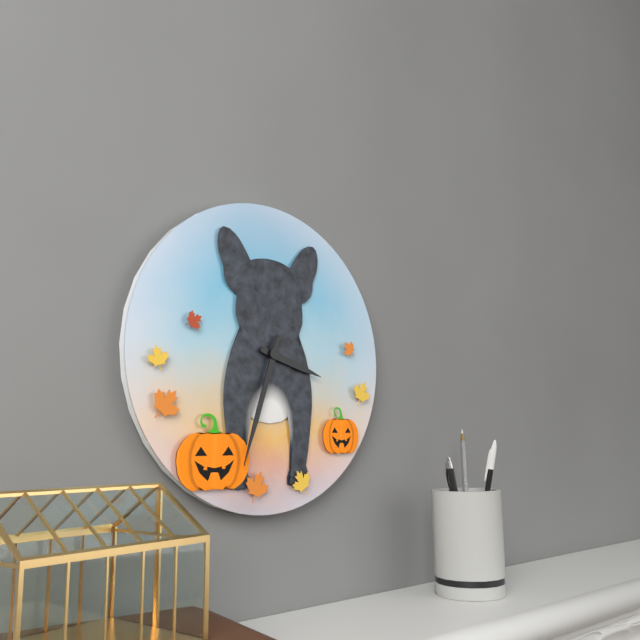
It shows 3:33
